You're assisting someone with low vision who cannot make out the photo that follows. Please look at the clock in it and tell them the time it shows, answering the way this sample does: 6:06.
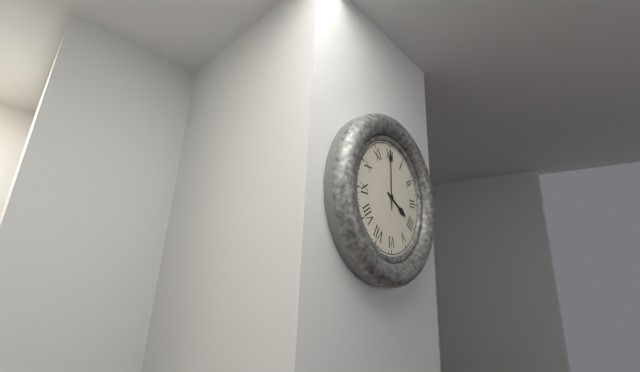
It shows 4:00
